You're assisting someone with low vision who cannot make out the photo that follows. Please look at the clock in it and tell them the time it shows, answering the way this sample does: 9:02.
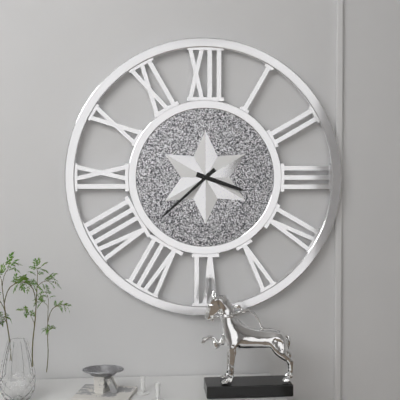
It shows 3:38
